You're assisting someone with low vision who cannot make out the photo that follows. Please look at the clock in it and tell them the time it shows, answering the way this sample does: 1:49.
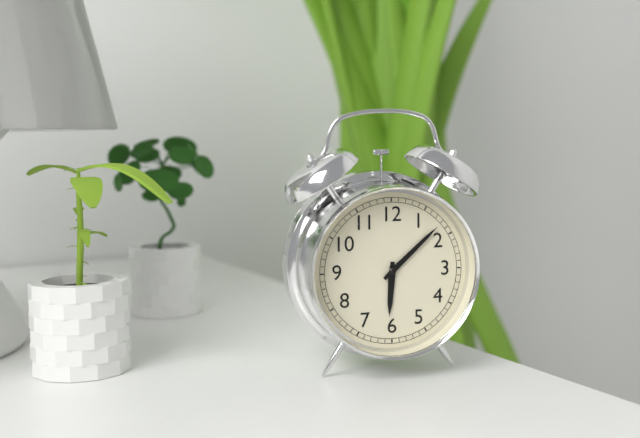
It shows 6:08
